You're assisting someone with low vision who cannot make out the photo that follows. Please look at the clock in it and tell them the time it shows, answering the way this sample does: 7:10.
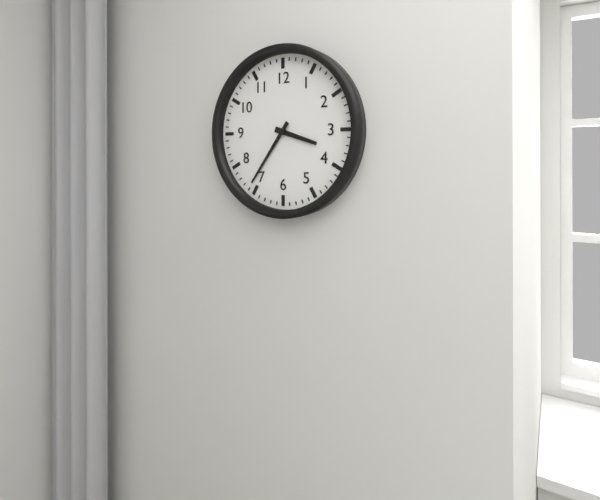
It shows 3:36
